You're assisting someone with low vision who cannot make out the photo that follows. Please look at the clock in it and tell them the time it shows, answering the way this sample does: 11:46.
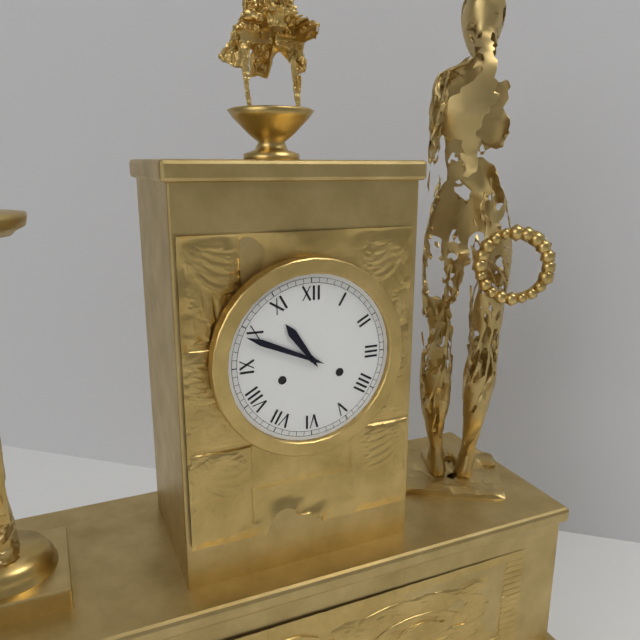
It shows 10:49
